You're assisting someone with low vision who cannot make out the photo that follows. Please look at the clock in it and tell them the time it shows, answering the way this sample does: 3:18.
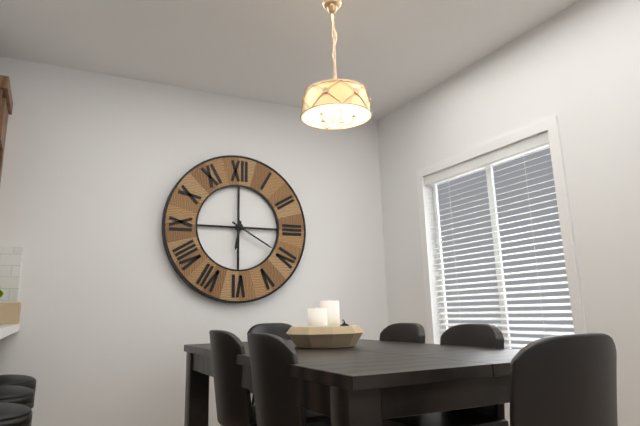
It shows 6:20
